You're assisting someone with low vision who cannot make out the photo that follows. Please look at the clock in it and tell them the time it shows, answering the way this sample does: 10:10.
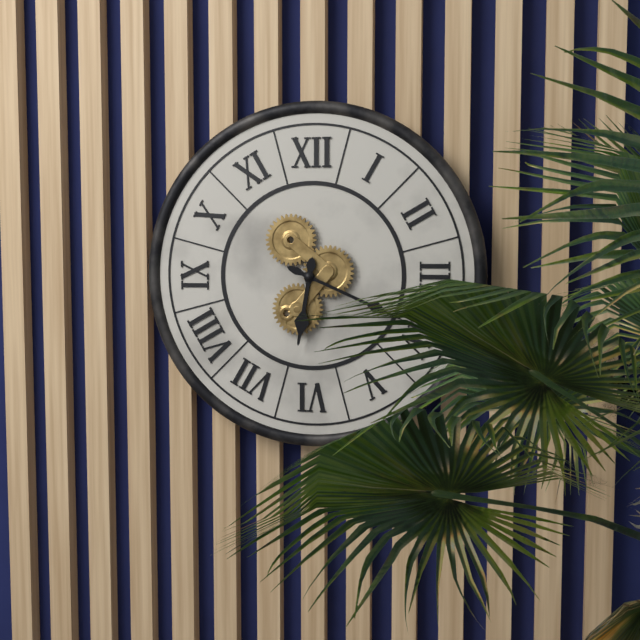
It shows 6:19
